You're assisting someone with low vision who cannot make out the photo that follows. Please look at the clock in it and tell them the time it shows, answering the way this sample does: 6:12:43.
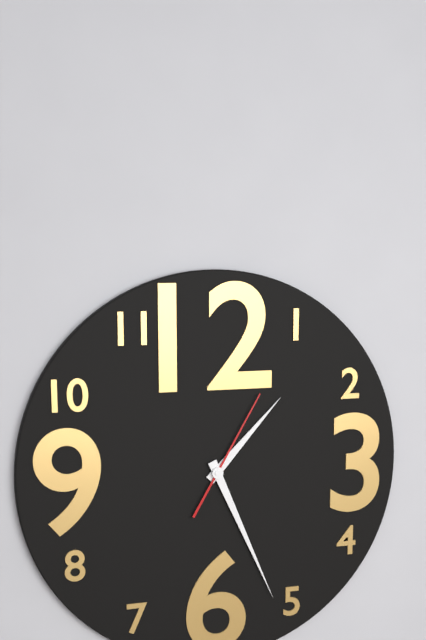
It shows 1:26:05
